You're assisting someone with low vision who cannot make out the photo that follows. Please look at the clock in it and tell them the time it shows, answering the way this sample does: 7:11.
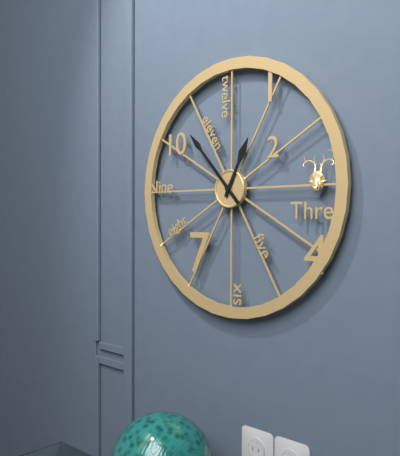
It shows 12:53
